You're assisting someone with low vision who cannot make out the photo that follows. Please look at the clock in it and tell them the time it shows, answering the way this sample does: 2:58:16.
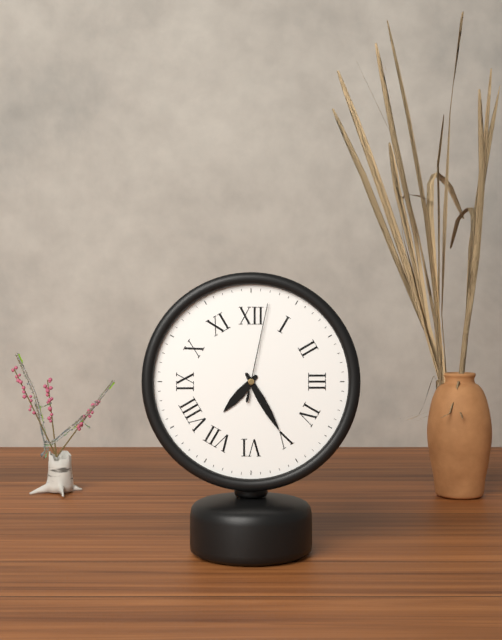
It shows 7:25:02
